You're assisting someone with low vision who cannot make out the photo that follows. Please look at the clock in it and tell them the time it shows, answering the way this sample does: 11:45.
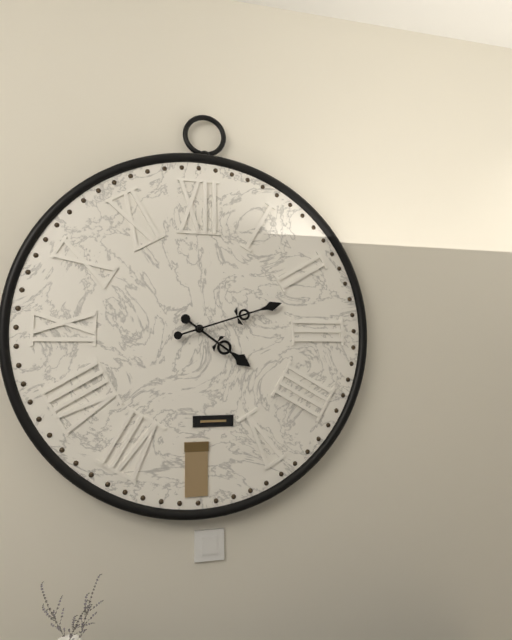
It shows 4:12
